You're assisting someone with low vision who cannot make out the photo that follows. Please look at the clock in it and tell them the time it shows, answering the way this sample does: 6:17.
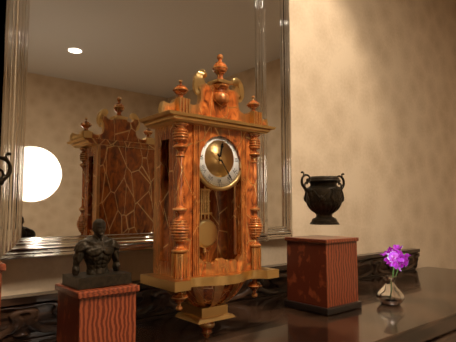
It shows 12:24
